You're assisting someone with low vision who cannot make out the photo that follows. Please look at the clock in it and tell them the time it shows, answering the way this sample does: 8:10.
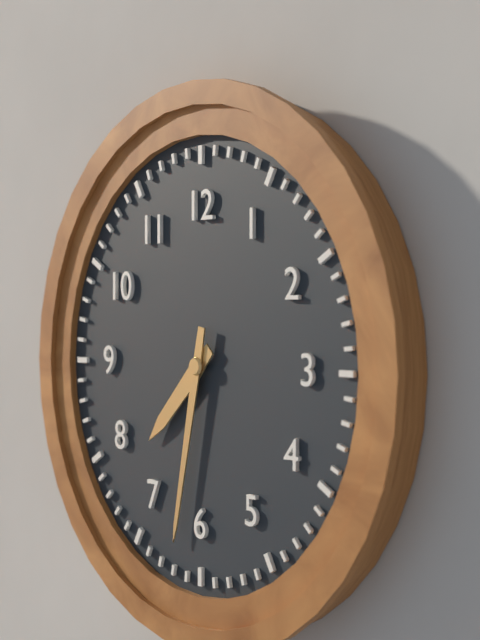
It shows 7:32
